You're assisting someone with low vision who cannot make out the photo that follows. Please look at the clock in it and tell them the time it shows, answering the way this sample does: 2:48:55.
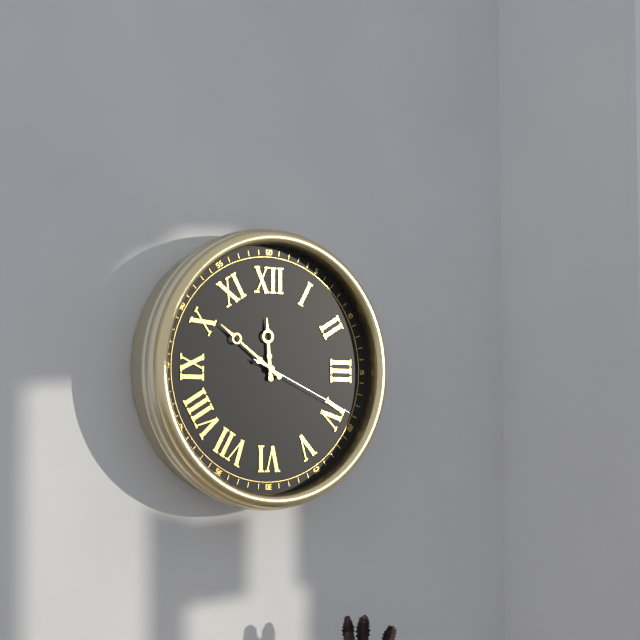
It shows 11:51:19
